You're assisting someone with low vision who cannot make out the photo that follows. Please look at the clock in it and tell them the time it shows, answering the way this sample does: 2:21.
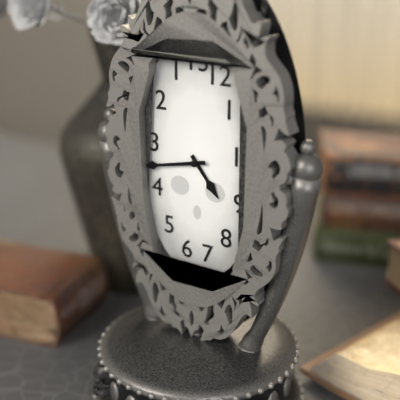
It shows 4:43
